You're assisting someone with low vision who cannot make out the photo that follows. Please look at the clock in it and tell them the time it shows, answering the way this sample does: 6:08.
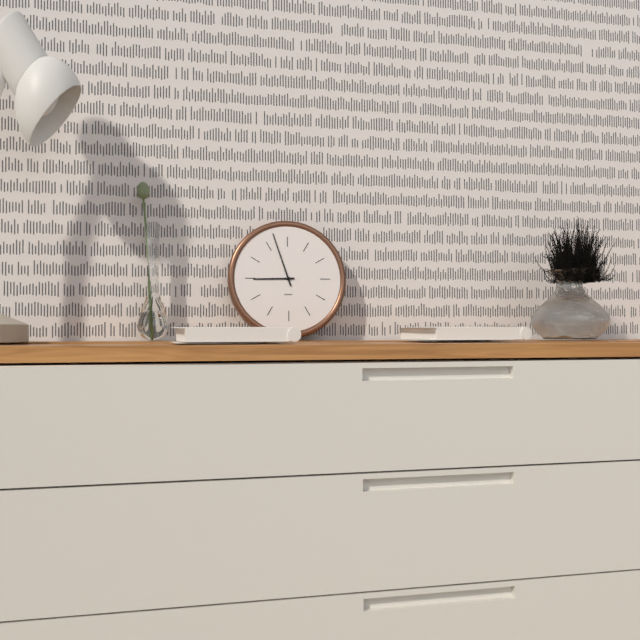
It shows 8:57
